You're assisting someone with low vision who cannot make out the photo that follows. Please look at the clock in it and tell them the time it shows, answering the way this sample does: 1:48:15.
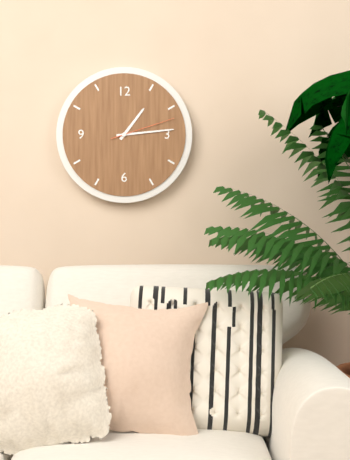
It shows 1:14:12
